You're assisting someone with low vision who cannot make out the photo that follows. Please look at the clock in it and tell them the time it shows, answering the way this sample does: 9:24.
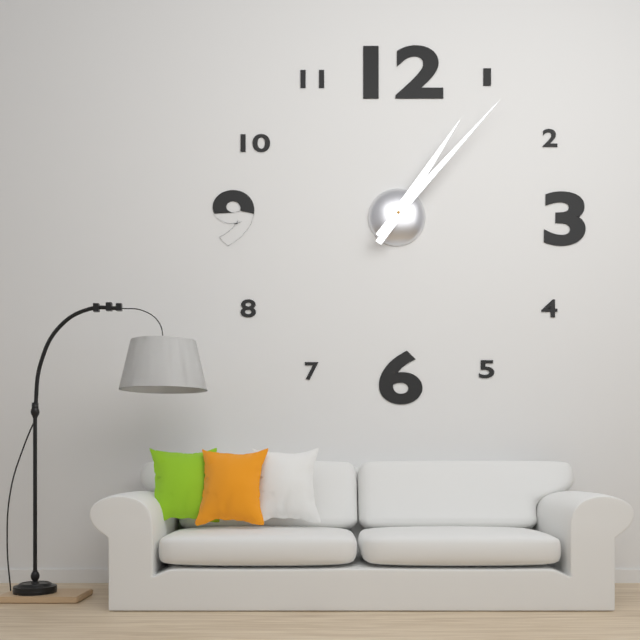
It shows 1:07
